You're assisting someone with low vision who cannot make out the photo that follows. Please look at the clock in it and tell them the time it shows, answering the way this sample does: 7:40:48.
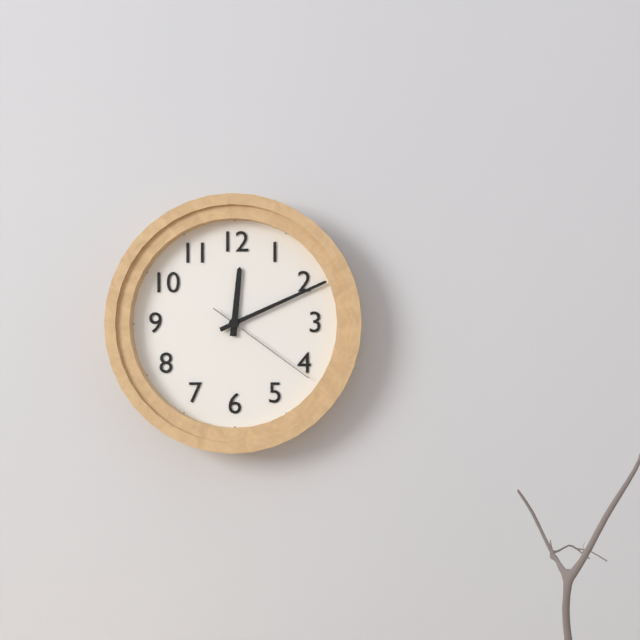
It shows 12:11:21
